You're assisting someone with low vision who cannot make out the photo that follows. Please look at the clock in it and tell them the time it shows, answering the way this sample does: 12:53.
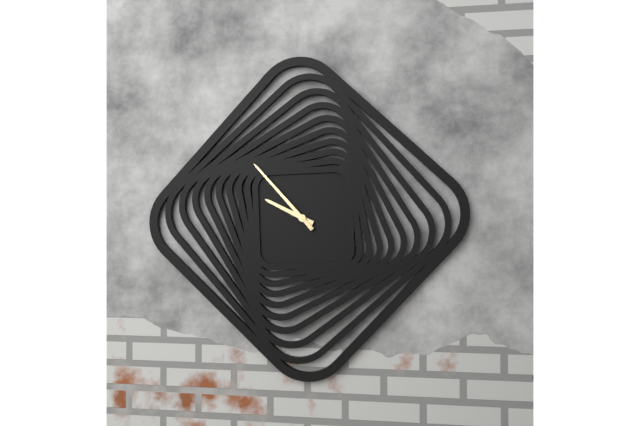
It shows 9:53
